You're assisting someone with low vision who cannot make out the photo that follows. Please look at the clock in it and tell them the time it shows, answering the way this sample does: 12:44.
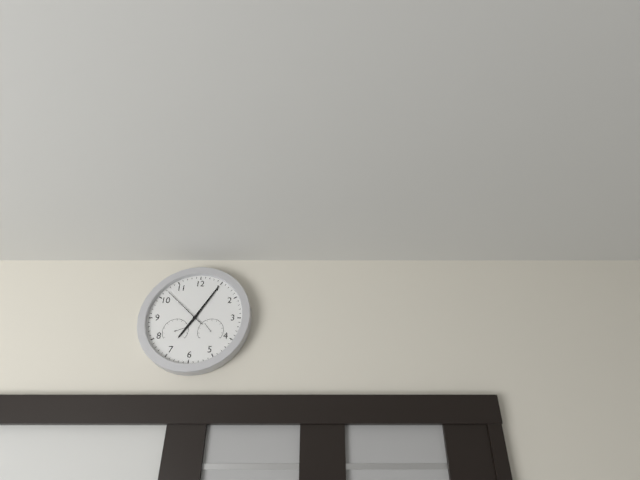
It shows 7:05
